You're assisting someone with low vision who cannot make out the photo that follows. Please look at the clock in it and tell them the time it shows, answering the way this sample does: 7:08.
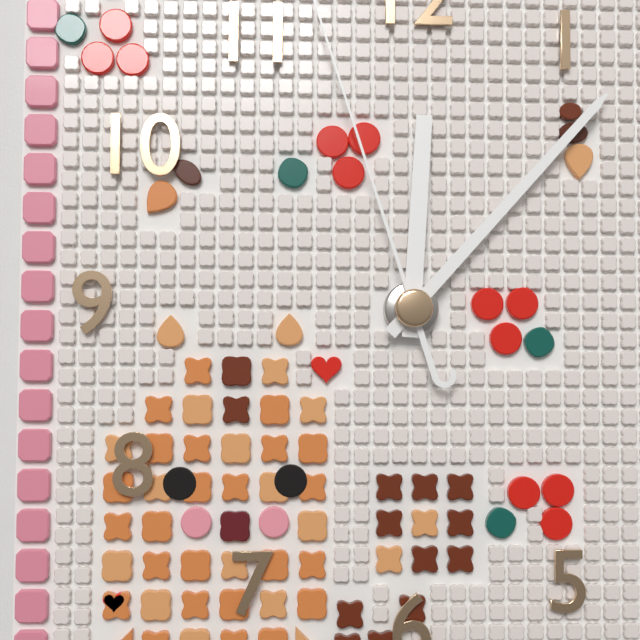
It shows 12:07
